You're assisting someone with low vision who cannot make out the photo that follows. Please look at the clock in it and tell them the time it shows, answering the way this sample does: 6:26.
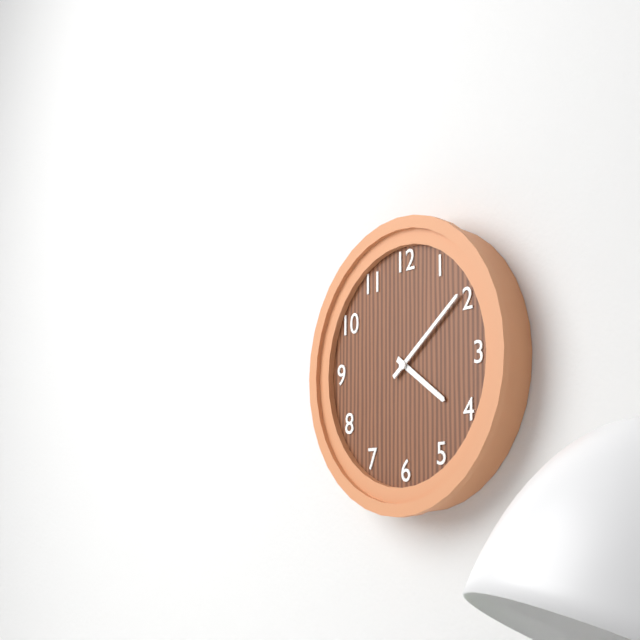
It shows 4:09
